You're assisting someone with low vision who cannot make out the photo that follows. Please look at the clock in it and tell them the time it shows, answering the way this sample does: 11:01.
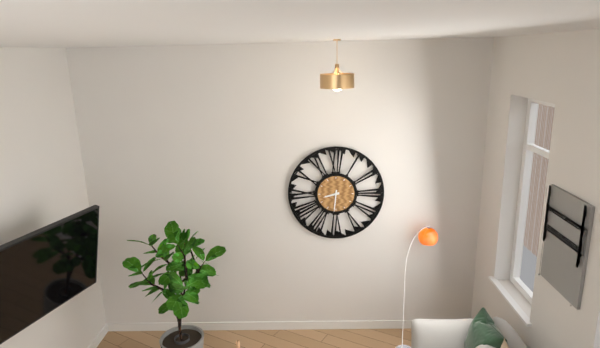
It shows 8:31
